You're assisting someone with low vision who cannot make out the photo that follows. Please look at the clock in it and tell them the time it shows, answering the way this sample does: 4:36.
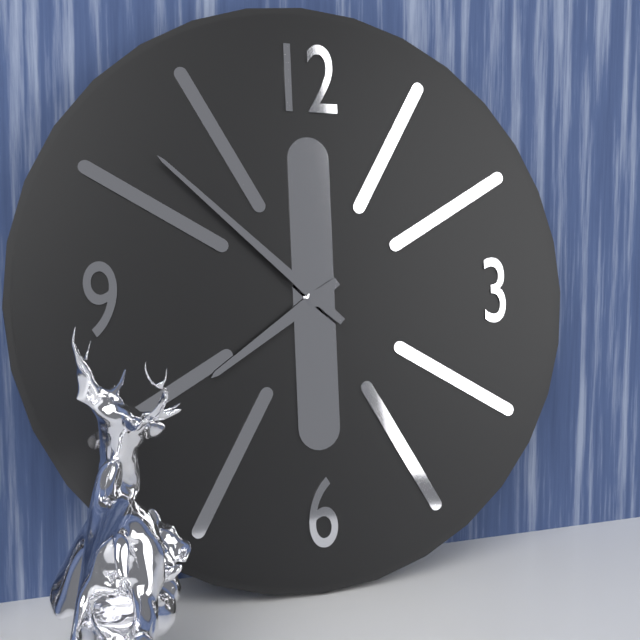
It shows 7:52
